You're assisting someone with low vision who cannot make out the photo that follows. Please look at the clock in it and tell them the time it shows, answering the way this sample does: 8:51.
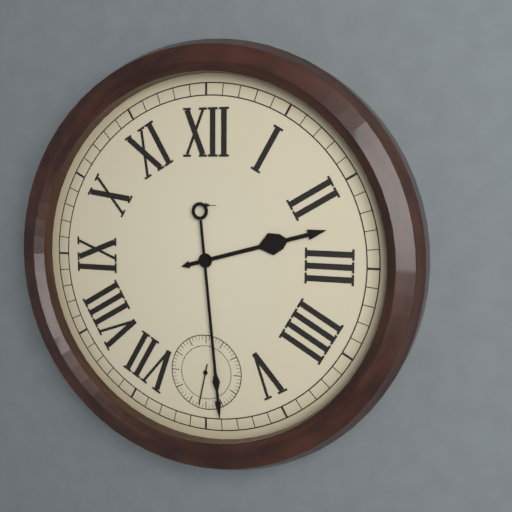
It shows 2:29
